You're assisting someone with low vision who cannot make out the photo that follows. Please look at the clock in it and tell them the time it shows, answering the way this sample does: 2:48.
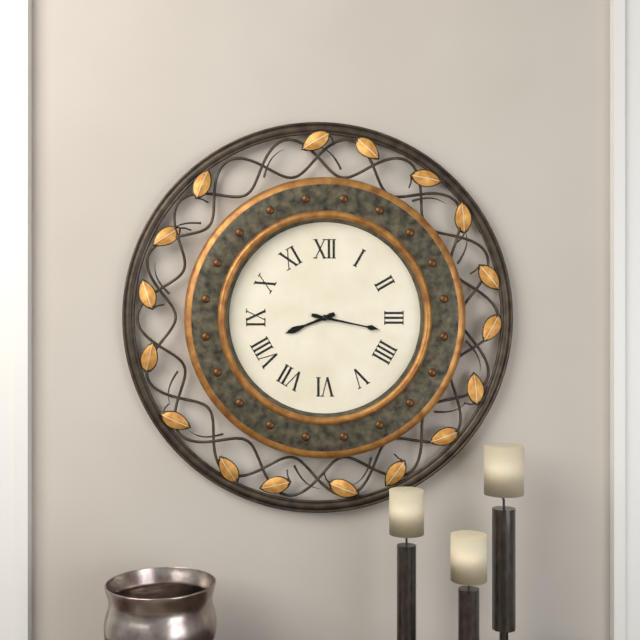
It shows 8:17
